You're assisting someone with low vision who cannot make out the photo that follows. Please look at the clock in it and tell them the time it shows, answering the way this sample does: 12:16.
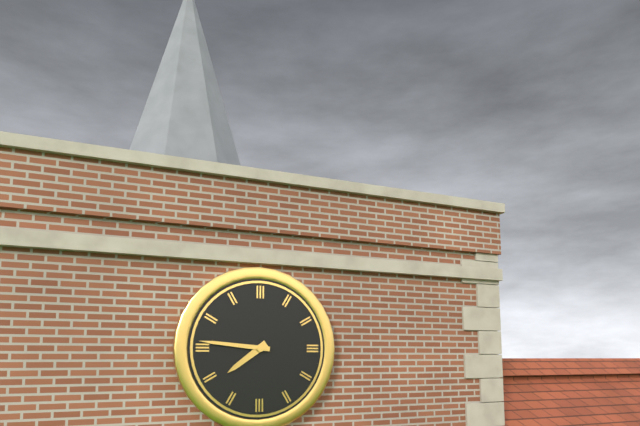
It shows 7:46
